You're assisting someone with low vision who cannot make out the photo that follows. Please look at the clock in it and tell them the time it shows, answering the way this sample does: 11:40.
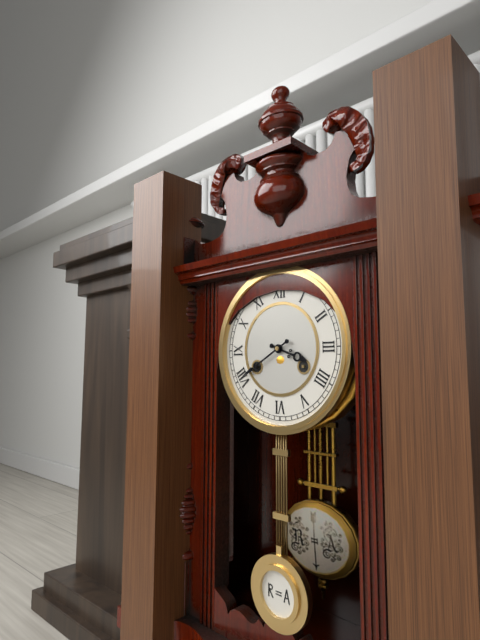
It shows 3:40
